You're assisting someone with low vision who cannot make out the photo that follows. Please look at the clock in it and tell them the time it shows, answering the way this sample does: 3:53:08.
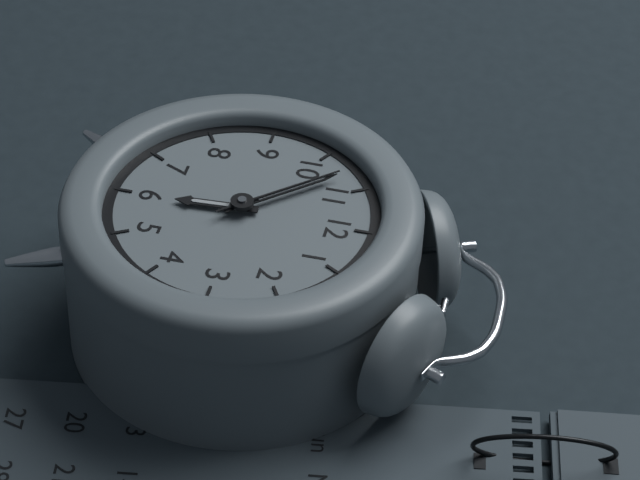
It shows 5:53:53
